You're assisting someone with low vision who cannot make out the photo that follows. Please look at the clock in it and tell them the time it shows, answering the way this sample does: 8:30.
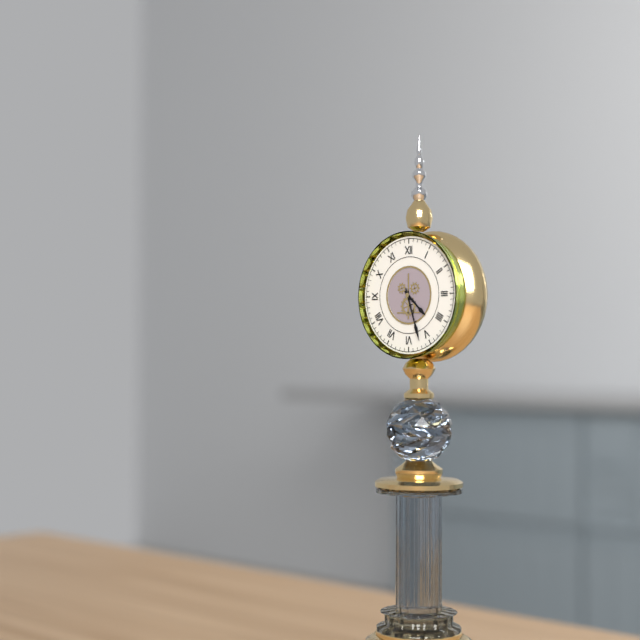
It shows 4:27
